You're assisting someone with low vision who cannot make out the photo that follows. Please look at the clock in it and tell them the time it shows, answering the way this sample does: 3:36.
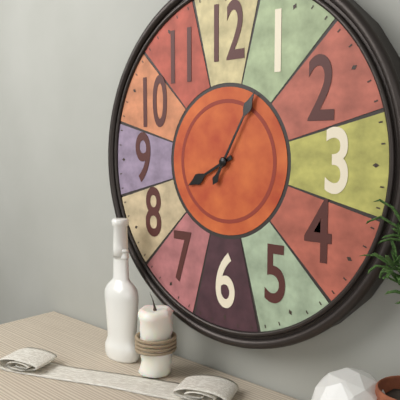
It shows 8:05
